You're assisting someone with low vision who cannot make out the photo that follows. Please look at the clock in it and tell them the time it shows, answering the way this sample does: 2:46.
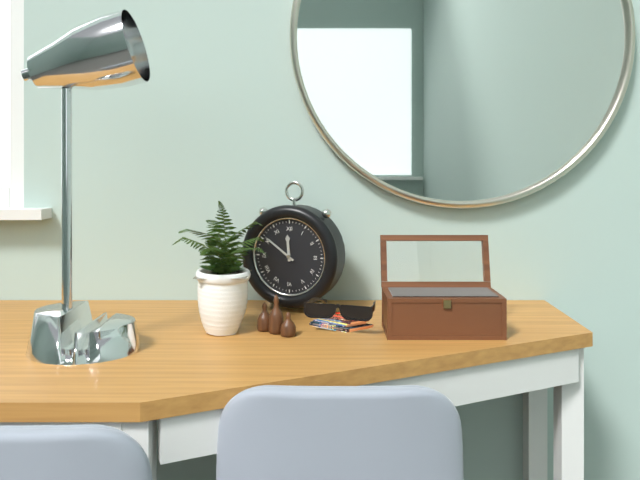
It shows 11:51
